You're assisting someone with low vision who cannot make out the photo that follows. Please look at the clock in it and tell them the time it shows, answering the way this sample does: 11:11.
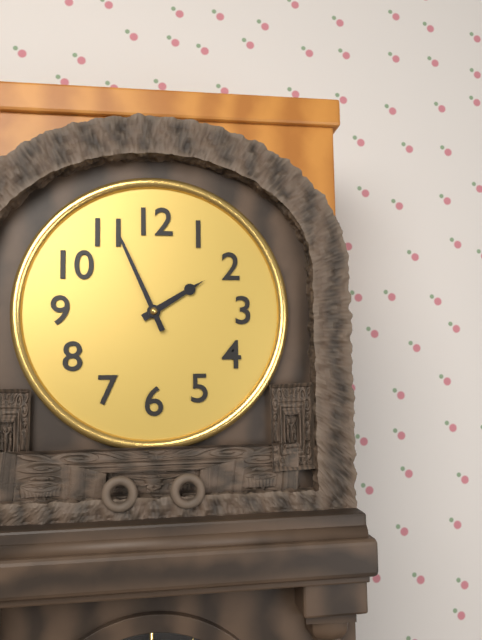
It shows 1:56
